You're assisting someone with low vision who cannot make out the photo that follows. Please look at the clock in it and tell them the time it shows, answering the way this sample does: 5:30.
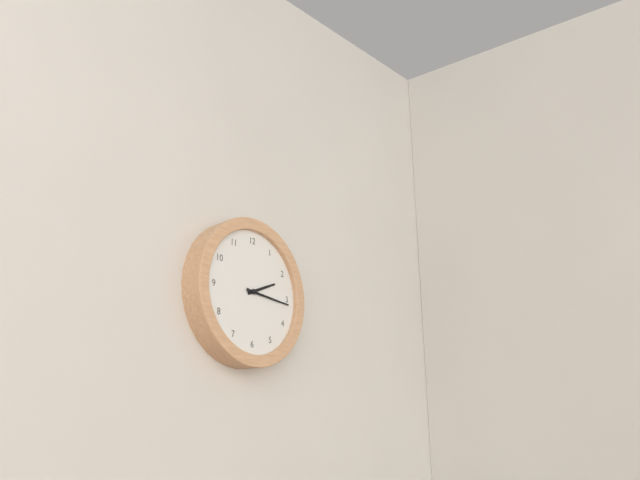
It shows 2:16
